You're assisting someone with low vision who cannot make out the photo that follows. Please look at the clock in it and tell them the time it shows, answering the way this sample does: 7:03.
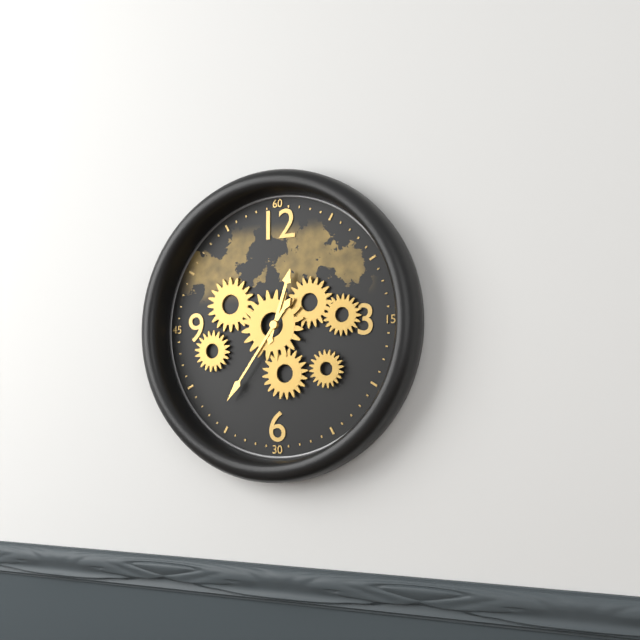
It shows 12:36
